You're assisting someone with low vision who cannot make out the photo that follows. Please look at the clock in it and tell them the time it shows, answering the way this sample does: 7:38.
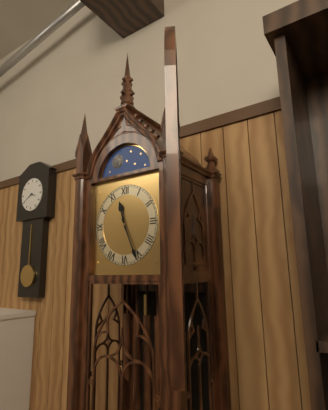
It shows 11:26
